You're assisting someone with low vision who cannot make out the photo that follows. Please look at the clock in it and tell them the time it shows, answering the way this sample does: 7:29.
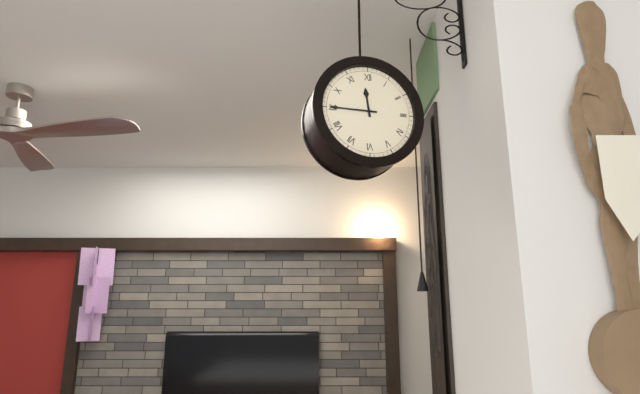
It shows 11:45
